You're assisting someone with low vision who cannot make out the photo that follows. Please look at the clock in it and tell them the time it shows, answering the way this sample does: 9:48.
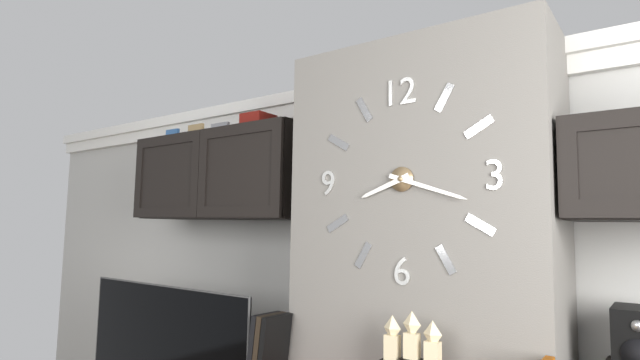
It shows 8:18
